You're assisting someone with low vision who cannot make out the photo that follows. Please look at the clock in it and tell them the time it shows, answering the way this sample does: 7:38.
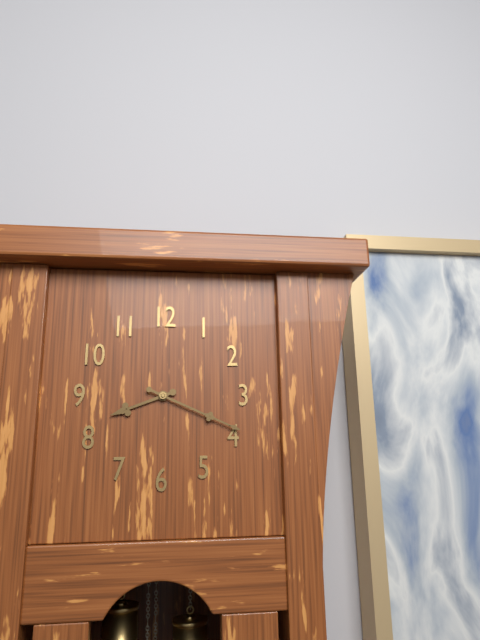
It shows 8:19
